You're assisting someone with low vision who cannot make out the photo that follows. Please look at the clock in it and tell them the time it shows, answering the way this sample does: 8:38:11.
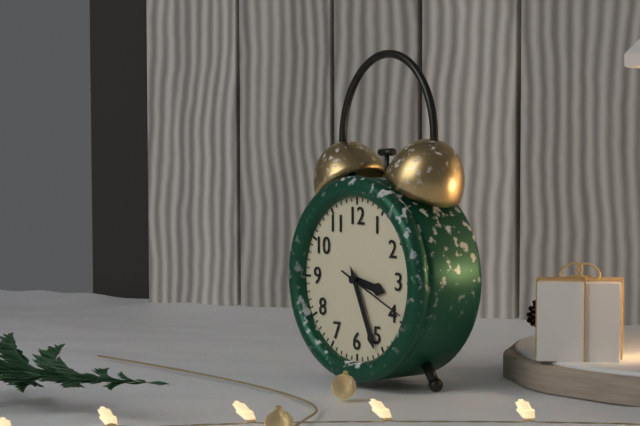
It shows 3:26:19
